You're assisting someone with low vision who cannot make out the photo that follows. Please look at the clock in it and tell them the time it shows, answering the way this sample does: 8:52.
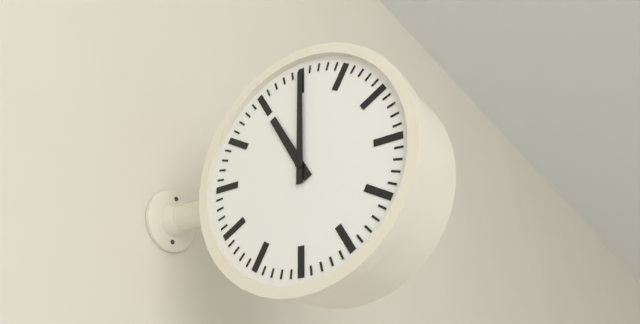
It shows 11:00
